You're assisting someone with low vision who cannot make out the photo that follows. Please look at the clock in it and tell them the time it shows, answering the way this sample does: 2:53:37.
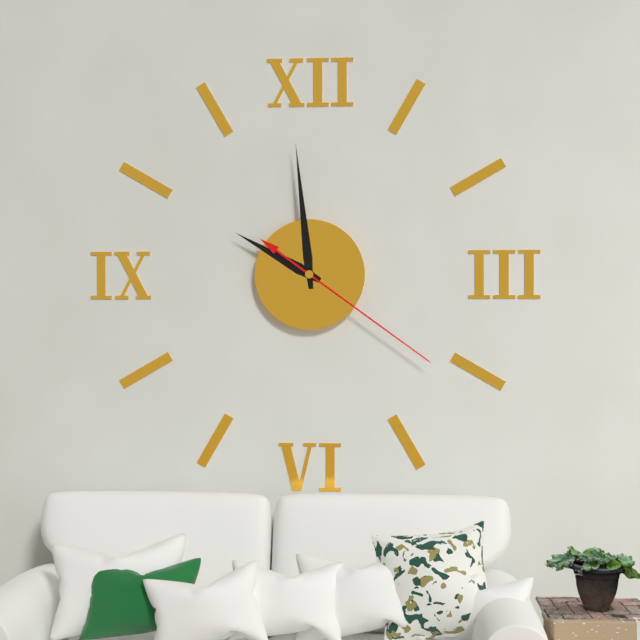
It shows 9:59:21
